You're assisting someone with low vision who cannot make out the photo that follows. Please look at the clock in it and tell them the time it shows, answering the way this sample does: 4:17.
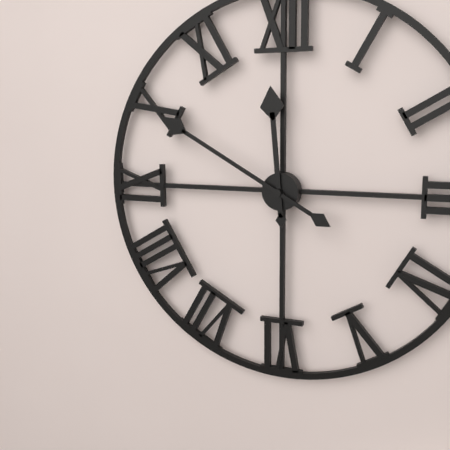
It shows 11:50
